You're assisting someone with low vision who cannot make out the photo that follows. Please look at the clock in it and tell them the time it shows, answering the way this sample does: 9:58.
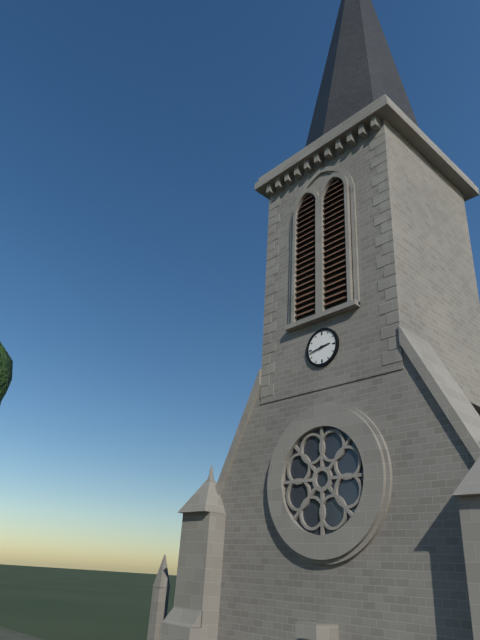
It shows 2:43
